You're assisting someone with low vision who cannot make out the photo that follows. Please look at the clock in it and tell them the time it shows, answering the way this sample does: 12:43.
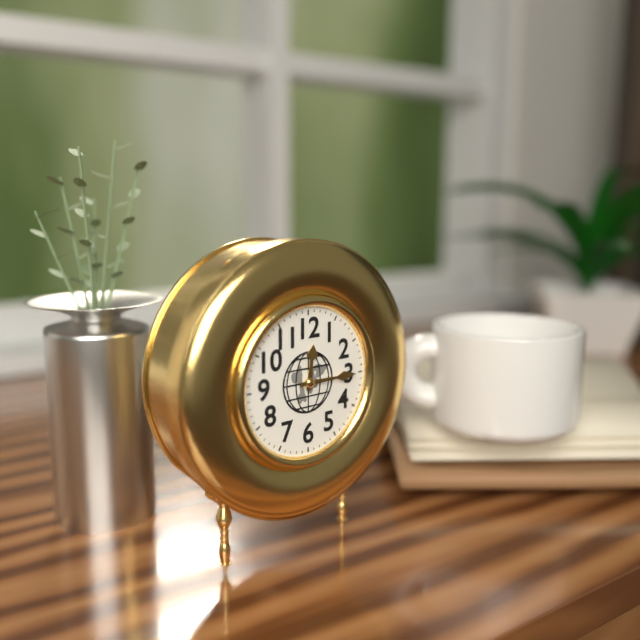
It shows 12:15
